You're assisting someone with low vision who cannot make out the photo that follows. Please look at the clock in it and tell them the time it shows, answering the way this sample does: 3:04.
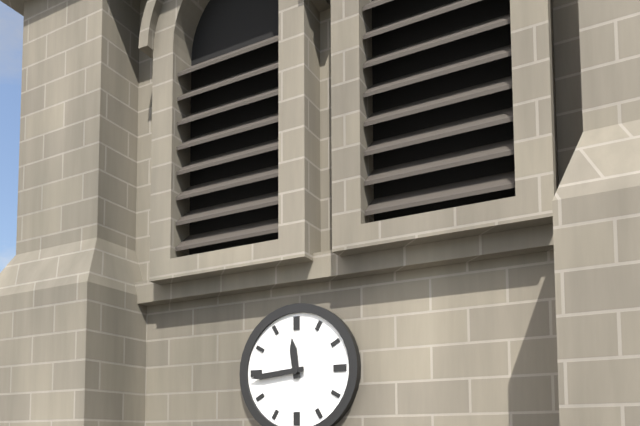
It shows 11:44
